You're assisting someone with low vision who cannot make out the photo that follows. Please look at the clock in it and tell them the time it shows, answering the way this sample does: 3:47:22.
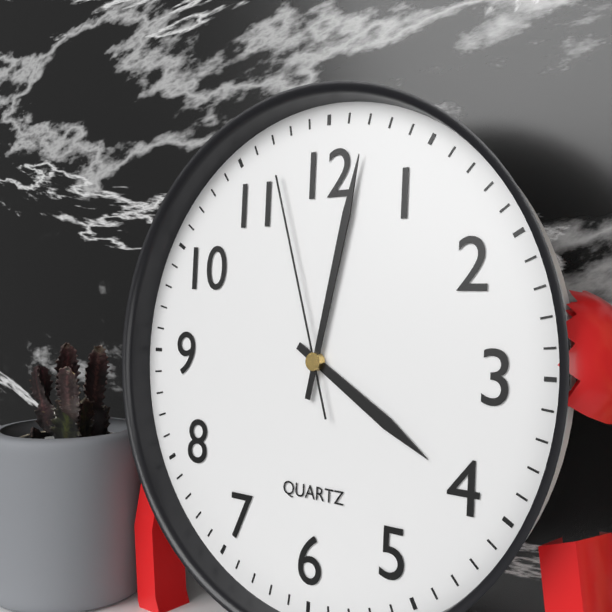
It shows 4:02:57
